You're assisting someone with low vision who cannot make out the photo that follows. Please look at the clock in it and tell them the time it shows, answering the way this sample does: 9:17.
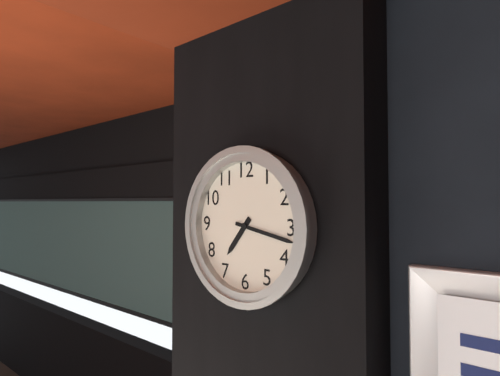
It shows 7:17
